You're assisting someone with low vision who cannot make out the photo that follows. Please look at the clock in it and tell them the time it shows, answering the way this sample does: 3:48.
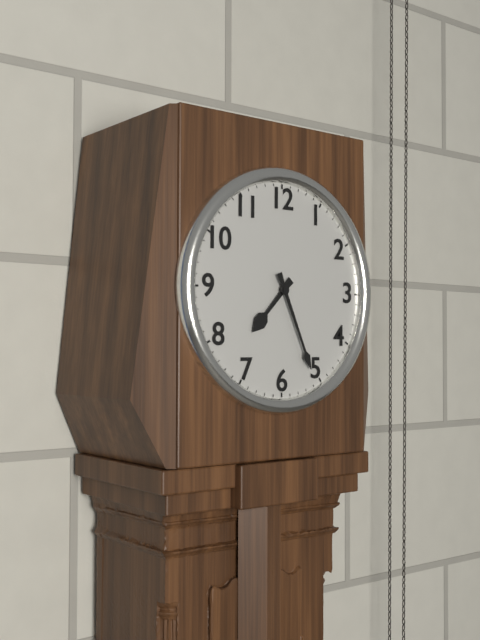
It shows 7:26
